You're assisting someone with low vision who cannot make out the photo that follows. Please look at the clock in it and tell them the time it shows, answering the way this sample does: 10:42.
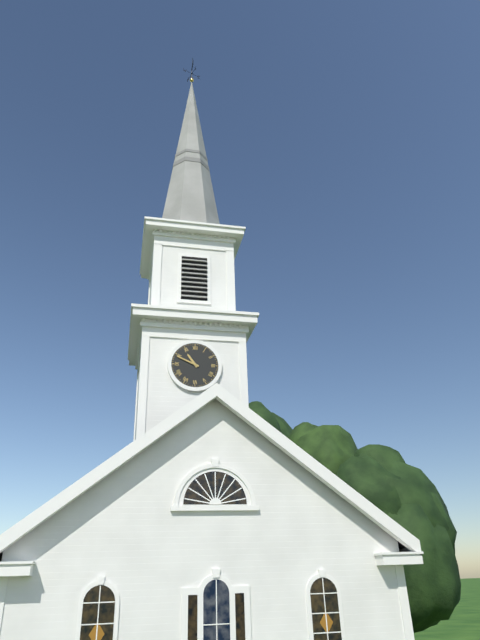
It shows 10:49
